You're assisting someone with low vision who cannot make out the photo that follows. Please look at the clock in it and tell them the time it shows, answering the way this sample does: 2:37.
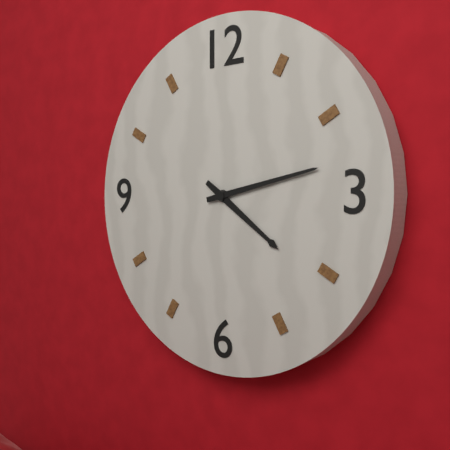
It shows 4:13
